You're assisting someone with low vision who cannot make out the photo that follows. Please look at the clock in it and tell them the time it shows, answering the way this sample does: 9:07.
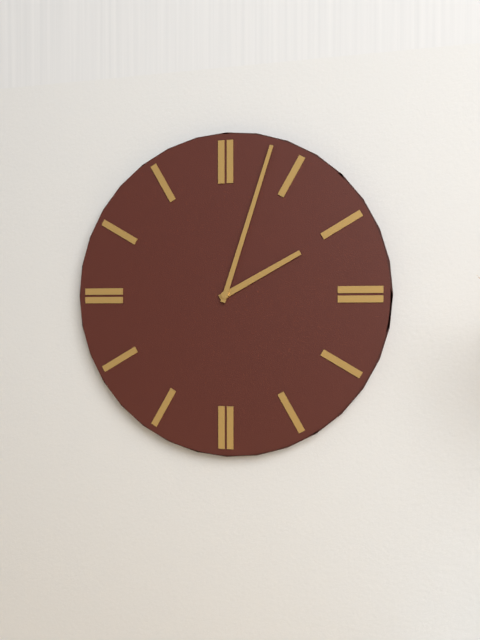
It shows 2:03
